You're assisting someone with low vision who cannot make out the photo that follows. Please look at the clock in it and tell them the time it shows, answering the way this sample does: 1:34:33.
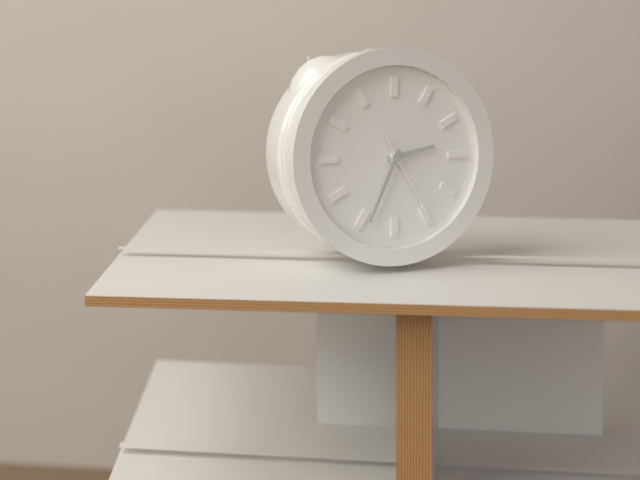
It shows 2:34:25
